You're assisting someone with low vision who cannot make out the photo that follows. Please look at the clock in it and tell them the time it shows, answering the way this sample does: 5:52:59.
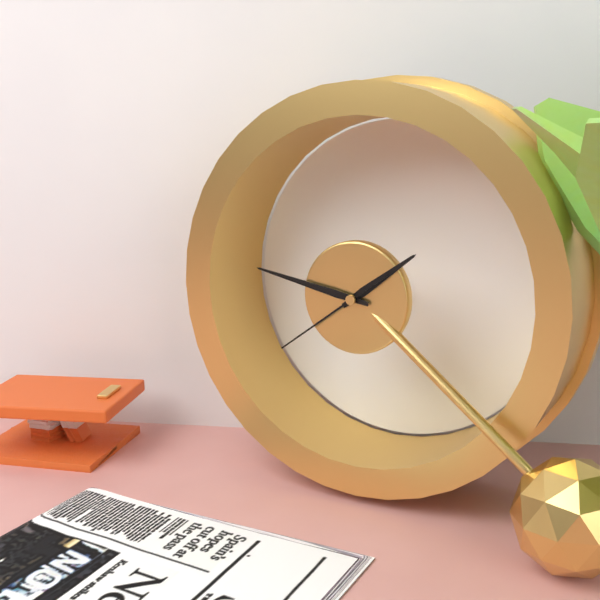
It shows 1:47:39
